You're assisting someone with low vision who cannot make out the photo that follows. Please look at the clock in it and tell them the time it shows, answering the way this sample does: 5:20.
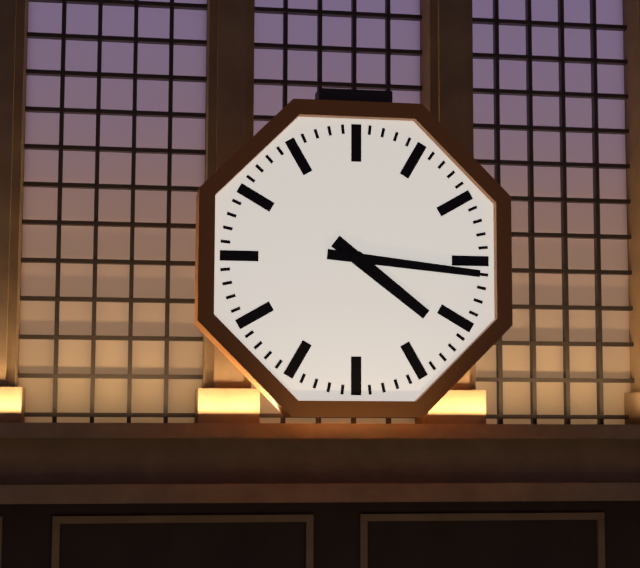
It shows 4:16
